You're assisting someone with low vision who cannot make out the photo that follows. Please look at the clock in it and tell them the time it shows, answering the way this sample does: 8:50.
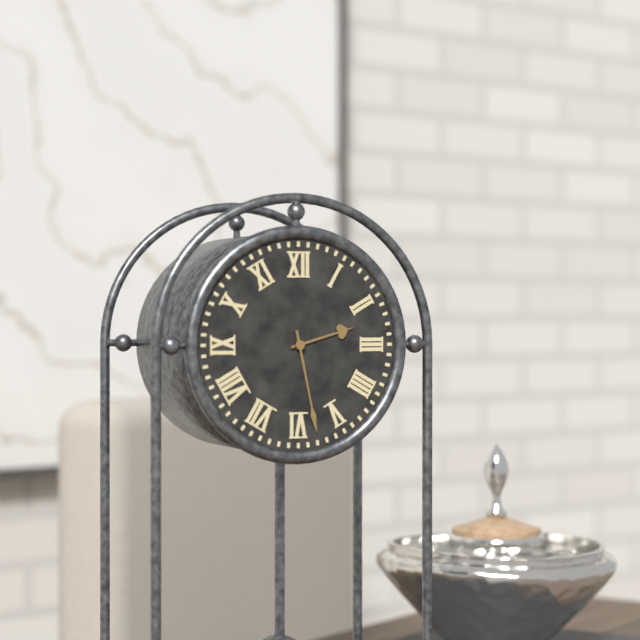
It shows 2:28
